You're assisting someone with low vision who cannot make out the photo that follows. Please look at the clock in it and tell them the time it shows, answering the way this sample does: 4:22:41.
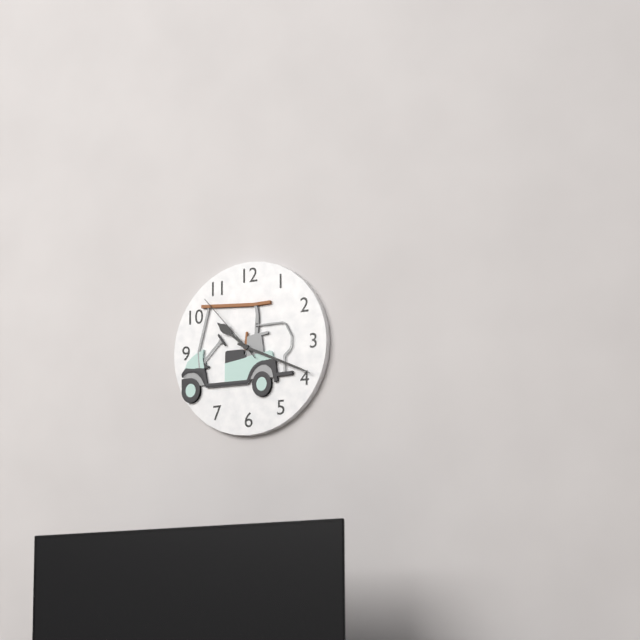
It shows 10:19:53
